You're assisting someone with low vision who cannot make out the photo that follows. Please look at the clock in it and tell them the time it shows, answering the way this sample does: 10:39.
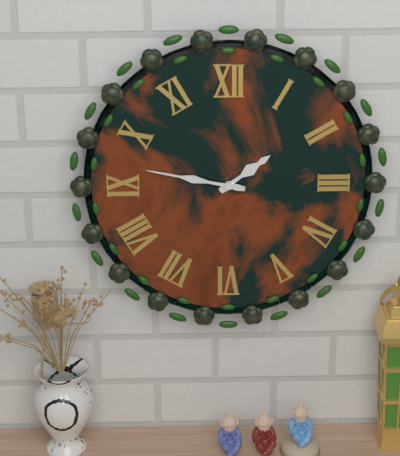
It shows 1:47
